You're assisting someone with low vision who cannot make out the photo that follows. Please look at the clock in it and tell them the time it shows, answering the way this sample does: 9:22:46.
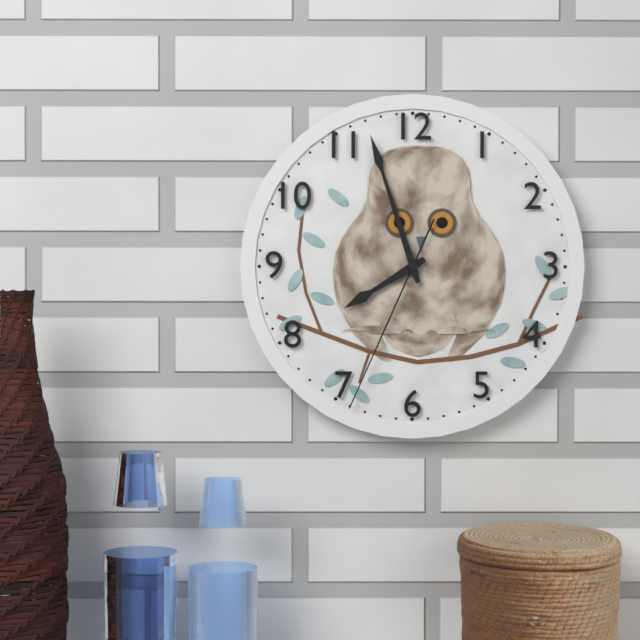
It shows 7:57:34
